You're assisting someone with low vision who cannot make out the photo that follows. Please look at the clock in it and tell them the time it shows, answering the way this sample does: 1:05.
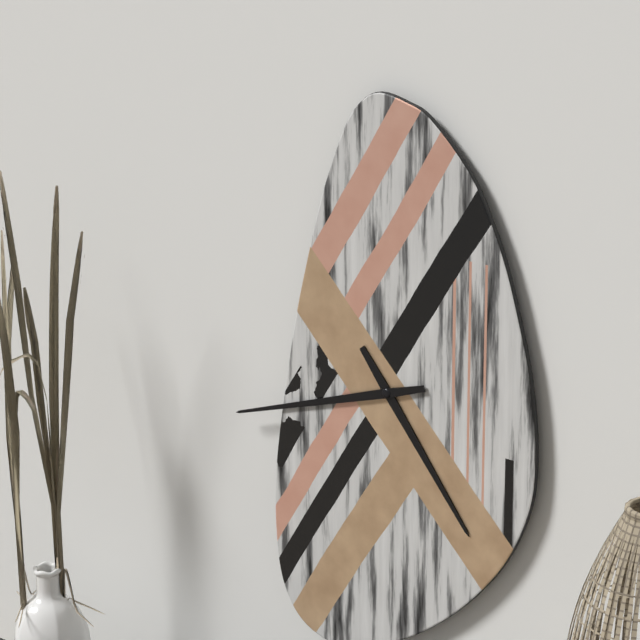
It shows 4:42
